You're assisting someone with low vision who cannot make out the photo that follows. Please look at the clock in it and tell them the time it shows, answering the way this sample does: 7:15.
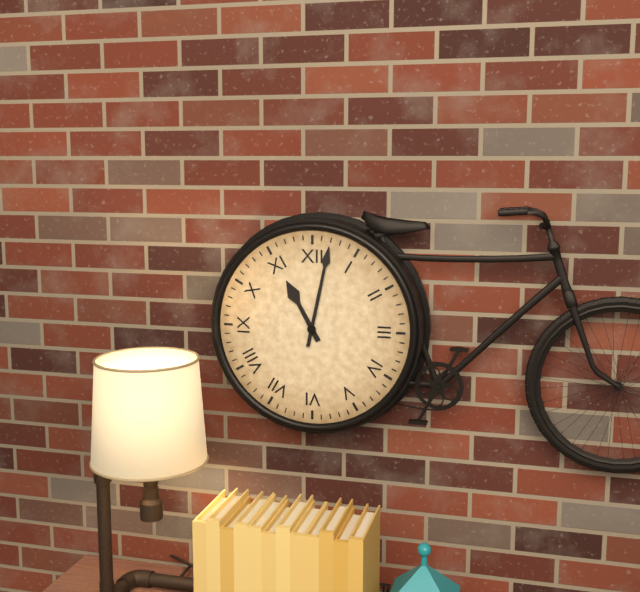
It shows 11:02
